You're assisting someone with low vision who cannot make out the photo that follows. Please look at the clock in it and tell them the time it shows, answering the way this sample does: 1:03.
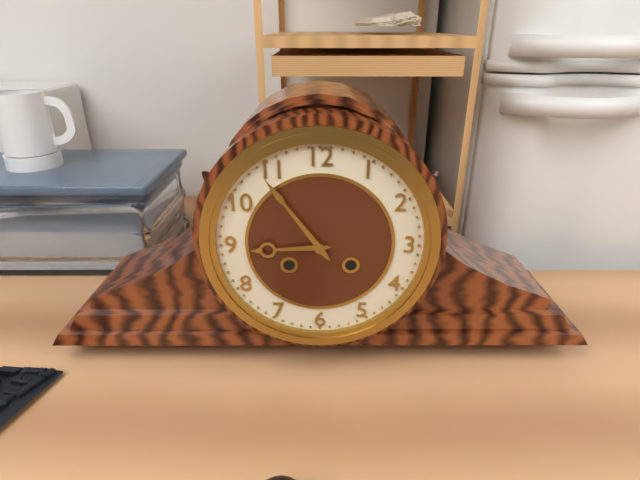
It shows 8:54
